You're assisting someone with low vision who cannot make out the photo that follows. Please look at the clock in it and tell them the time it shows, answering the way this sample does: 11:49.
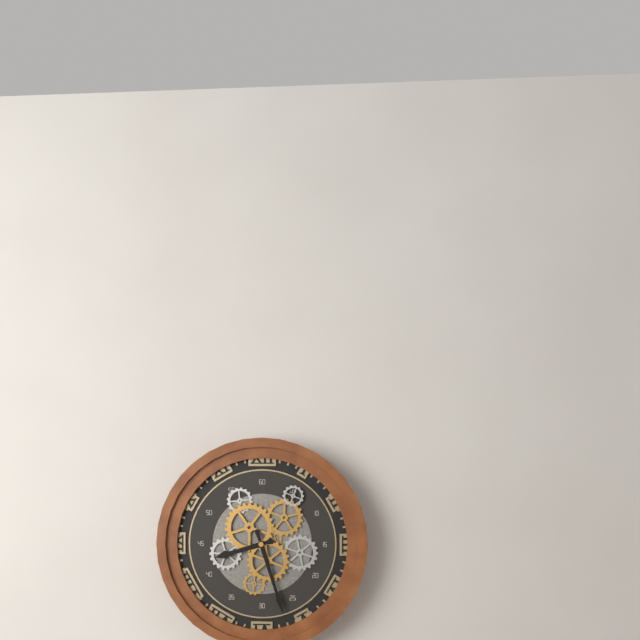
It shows 8:27
